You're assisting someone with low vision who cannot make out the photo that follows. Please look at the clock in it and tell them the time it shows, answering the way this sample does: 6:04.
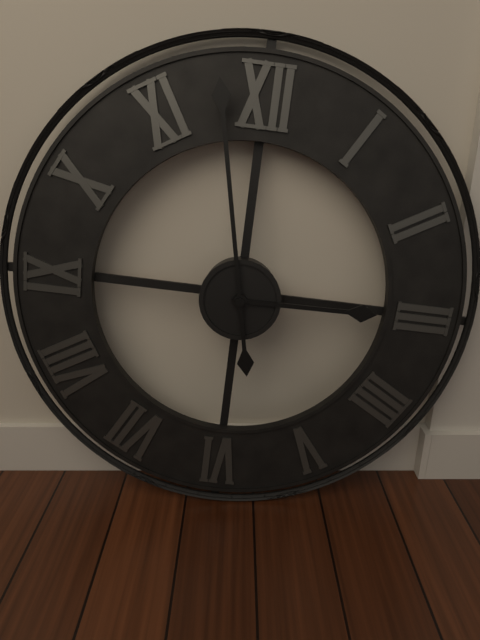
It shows 2:58
